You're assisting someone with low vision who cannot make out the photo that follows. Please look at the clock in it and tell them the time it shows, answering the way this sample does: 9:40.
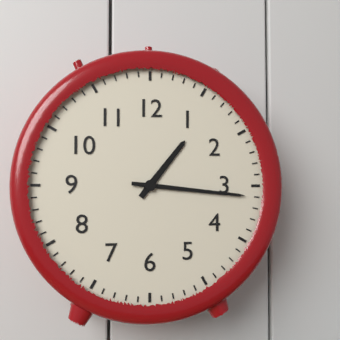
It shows 1:16
